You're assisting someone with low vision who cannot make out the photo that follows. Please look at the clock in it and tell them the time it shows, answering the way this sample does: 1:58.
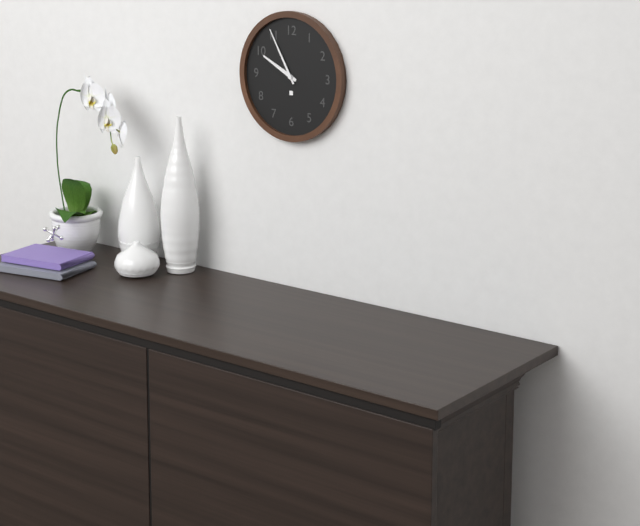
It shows 9:55
